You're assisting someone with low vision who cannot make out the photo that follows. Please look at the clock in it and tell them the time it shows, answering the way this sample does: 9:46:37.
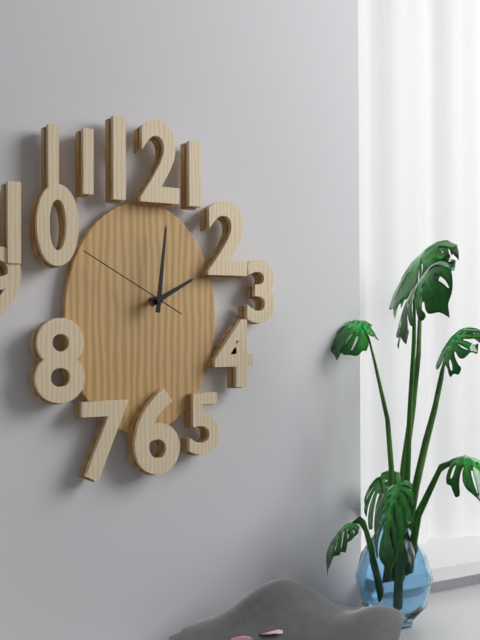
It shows 2:01:50
